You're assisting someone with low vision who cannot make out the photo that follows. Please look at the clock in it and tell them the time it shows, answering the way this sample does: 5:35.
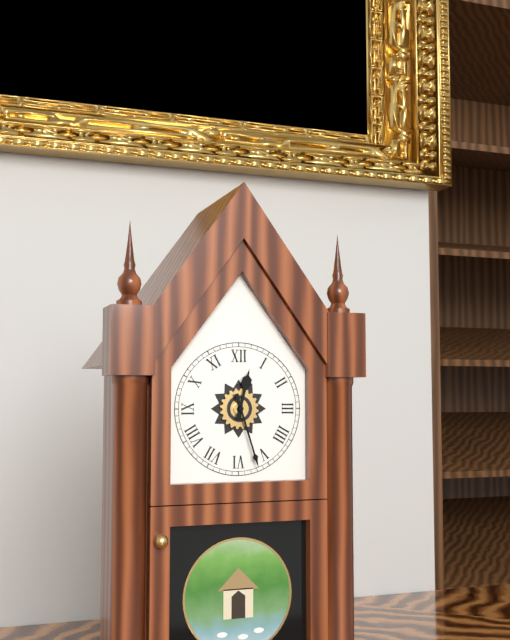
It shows 12:27
